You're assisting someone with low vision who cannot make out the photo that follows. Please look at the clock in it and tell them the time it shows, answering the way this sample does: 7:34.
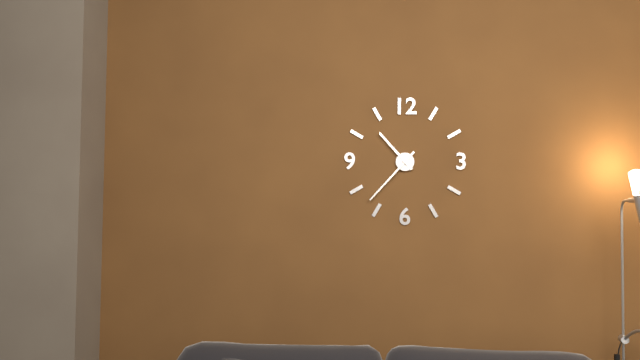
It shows 10:37
